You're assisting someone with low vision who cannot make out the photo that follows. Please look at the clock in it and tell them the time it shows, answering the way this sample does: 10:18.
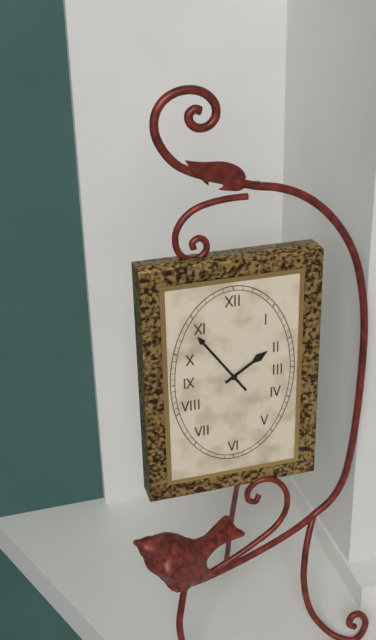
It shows 1:54
